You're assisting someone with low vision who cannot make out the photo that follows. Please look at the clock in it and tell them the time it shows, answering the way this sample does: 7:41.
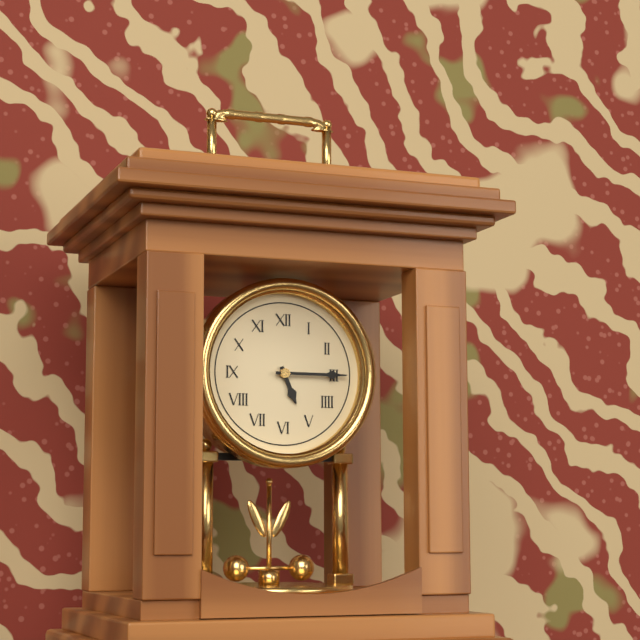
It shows 5:15
